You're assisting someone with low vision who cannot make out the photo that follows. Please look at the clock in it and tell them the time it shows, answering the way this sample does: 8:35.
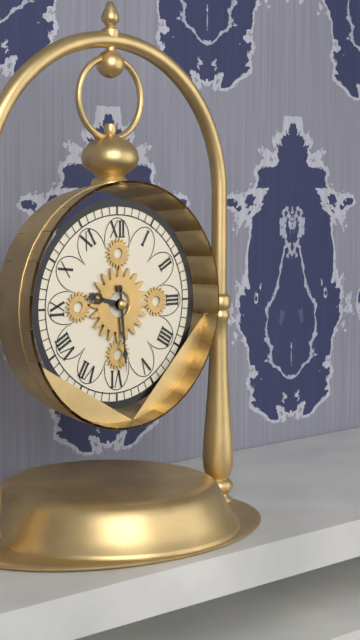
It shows 9:29
